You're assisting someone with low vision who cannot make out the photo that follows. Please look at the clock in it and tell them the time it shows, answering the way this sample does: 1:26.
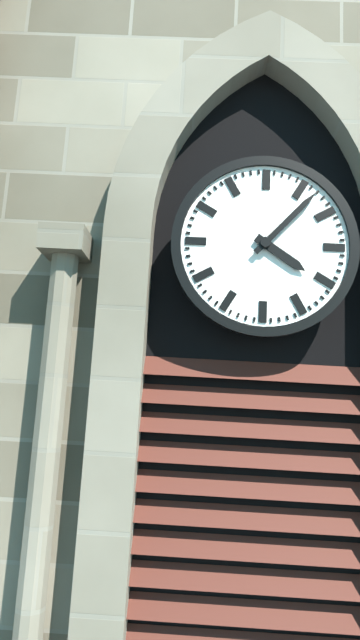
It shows 4:07
